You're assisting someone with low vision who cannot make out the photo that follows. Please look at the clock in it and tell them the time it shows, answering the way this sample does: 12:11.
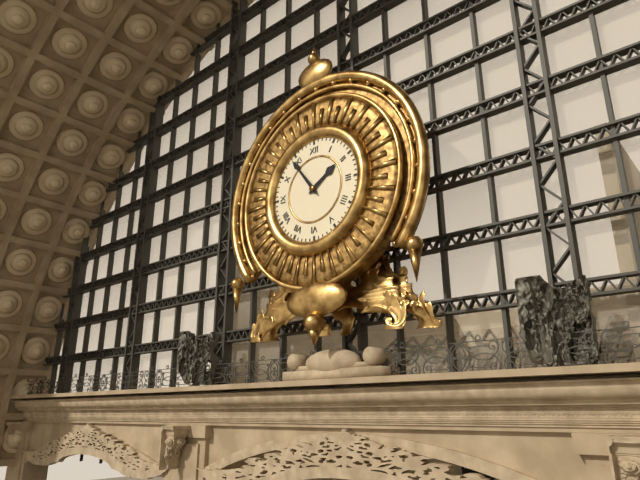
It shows 1:54
